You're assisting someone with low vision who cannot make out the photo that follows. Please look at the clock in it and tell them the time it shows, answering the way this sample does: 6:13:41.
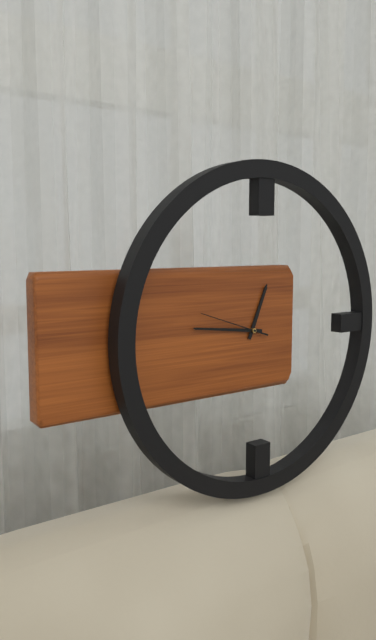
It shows 12:46:48
